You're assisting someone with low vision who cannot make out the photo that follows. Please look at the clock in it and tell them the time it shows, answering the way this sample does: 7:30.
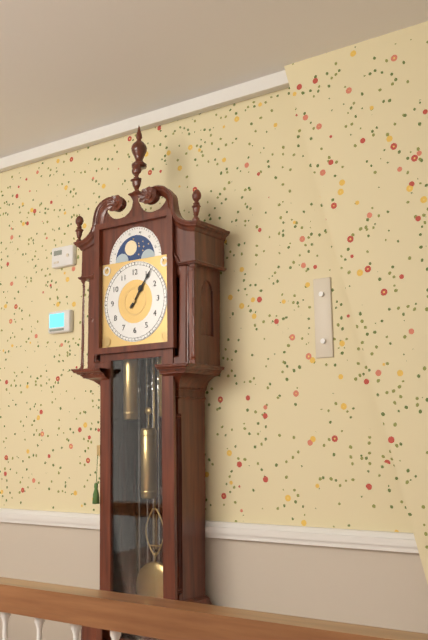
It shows 1:06
